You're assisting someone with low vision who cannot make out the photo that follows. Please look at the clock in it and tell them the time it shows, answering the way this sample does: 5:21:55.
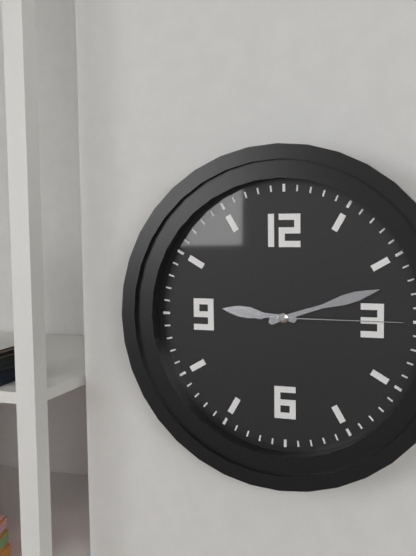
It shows 9:12:15
